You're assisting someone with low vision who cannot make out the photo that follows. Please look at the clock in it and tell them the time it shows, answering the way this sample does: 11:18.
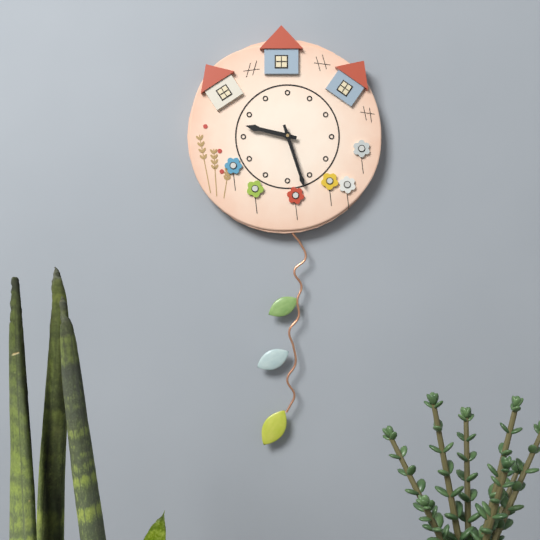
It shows 9:27
